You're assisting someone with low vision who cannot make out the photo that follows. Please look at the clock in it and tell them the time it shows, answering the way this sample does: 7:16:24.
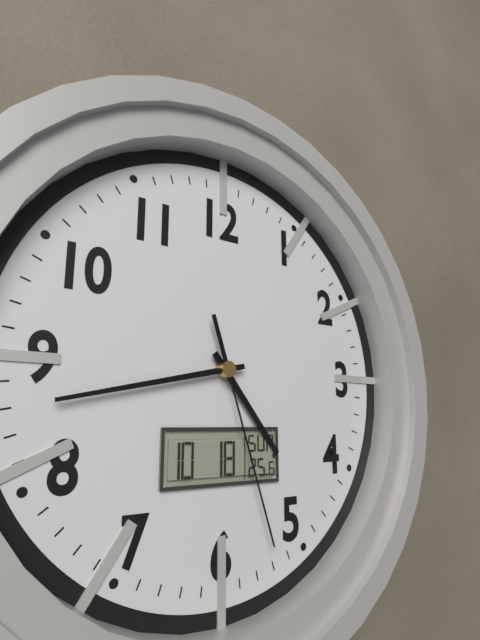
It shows 4:43:27
